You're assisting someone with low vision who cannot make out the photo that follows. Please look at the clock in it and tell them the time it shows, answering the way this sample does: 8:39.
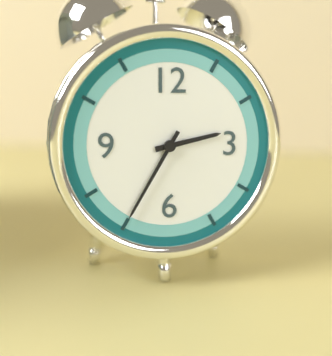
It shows 2:35
